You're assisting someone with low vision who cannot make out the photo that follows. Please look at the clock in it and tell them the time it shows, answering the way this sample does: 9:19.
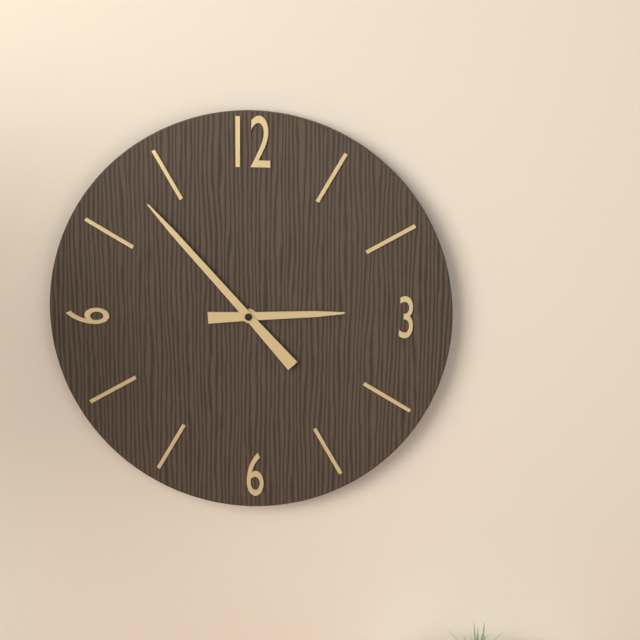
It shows 2:53
